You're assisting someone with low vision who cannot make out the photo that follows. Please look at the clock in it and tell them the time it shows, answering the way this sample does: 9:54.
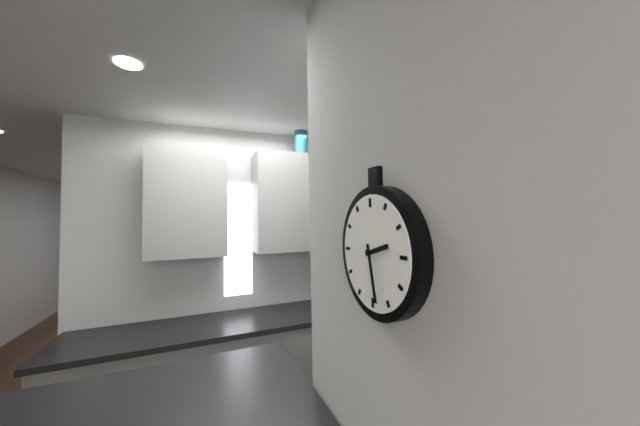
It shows 2:28
